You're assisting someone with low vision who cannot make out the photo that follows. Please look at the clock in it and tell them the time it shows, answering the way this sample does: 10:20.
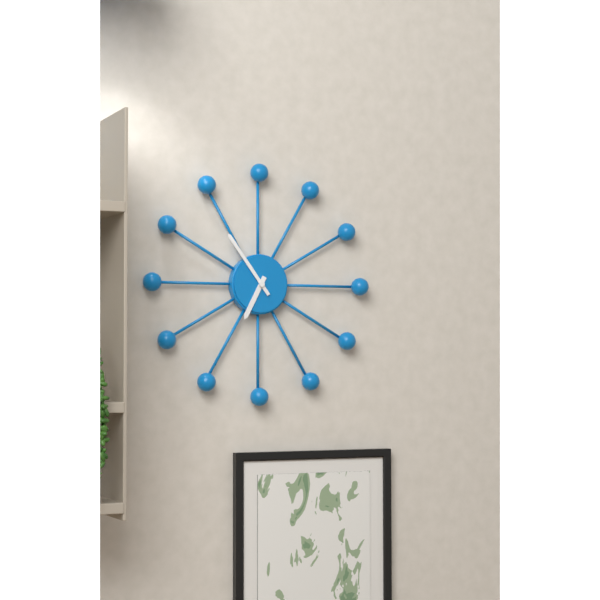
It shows 6:54
